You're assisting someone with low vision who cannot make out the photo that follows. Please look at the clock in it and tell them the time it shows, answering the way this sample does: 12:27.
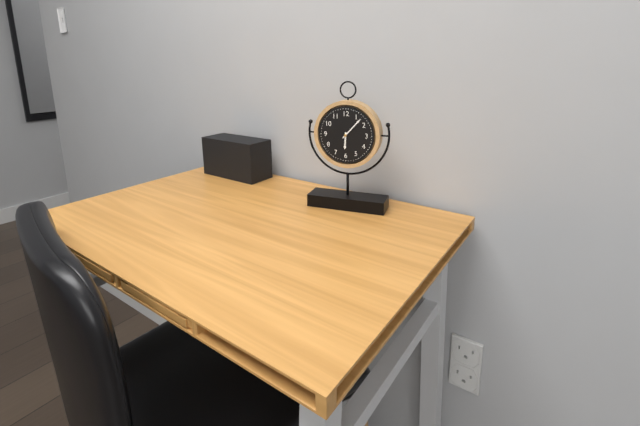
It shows 6:07
